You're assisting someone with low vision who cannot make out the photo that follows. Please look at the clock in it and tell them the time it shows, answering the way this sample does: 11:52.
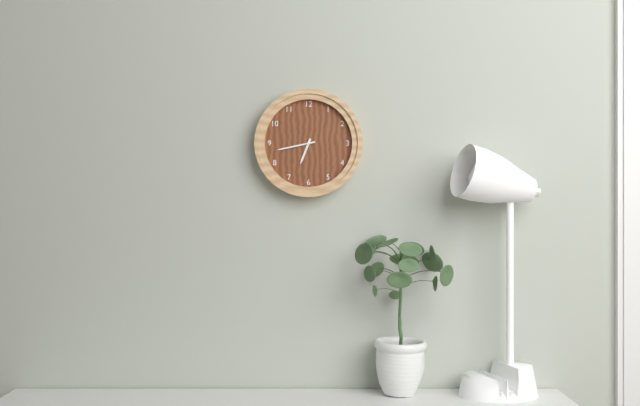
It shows 6:43
